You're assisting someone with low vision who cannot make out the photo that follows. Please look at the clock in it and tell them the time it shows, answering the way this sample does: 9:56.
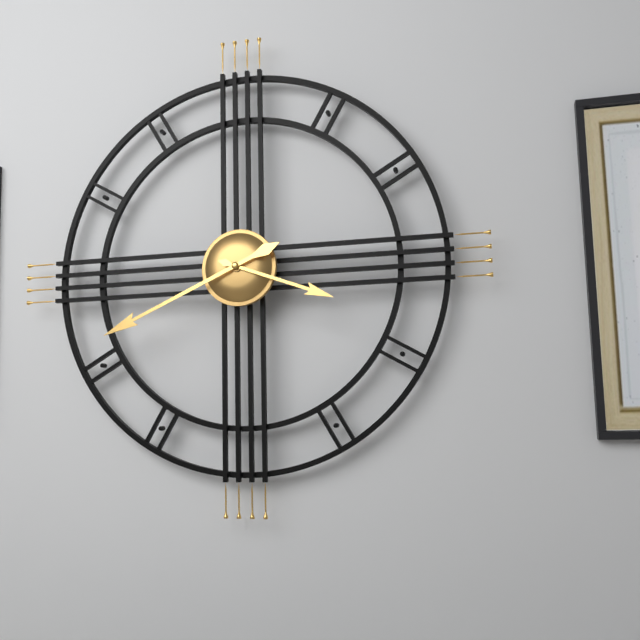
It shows 3:41
